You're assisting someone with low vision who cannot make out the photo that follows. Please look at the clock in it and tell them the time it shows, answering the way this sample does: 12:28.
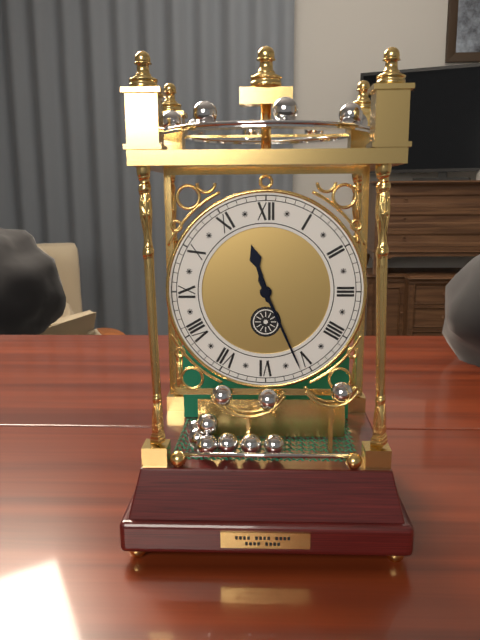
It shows 11:26
